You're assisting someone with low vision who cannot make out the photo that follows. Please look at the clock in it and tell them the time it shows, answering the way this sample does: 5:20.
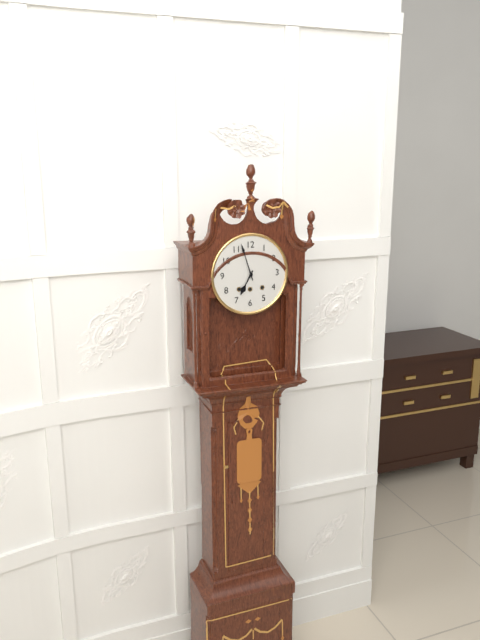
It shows 6:57
